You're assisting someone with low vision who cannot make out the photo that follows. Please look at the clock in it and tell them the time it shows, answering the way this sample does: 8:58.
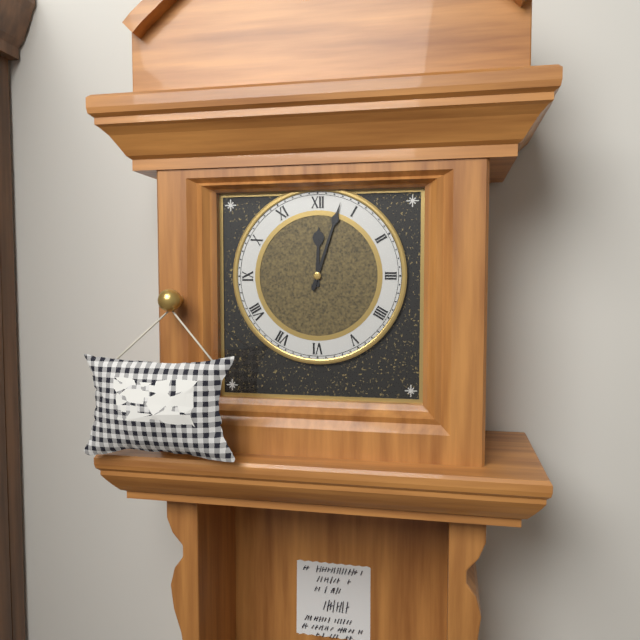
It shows 12:03
